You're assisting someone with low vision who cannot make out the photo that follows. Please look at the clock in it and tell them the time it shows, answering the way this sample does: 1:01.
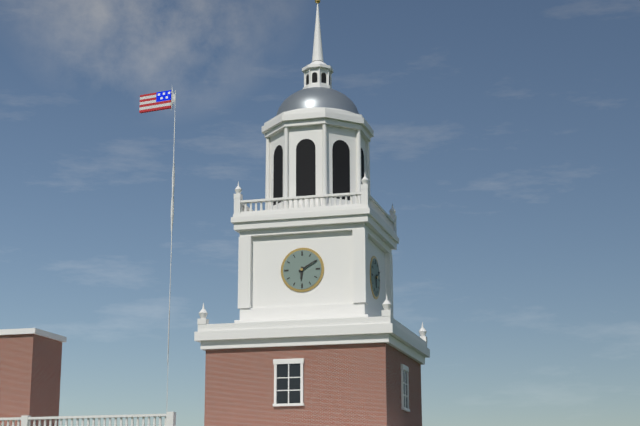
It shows 6:10
